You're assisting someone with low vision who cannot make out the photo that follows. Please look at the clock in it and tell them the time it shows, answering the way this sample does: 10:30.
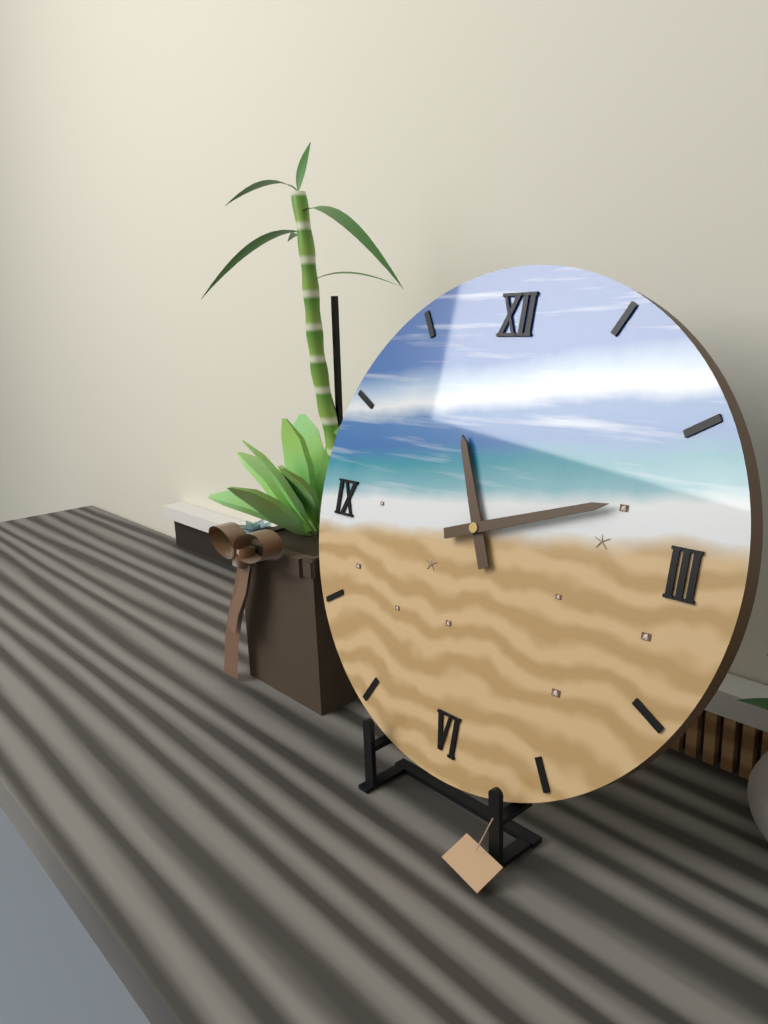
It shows 11:12
